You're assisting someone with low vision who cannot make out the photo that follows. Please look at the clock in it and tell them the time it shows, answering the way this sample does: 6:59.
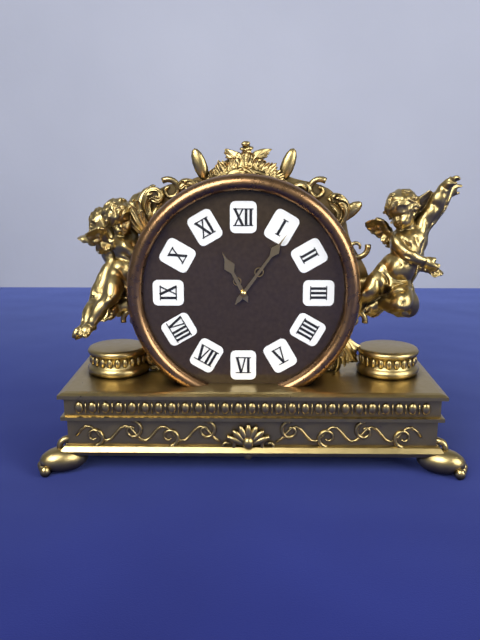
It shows 11:06
